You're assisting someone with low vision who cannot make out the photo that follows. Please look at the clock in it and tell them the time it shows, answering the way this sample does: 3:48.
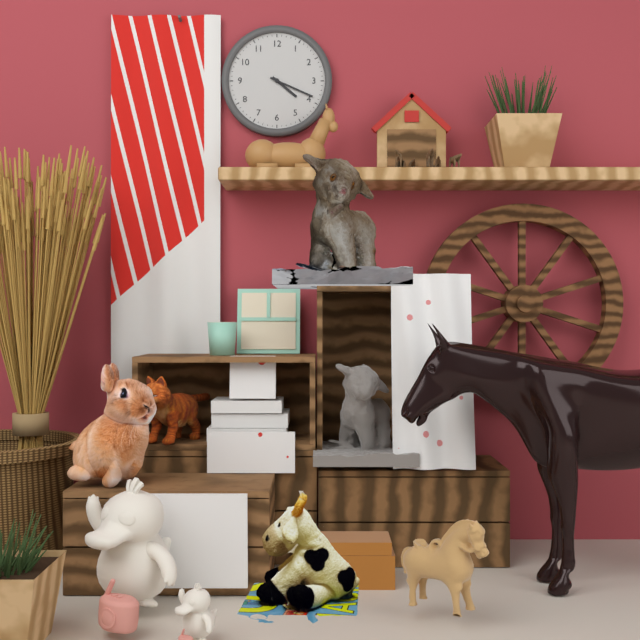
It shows 4:19
